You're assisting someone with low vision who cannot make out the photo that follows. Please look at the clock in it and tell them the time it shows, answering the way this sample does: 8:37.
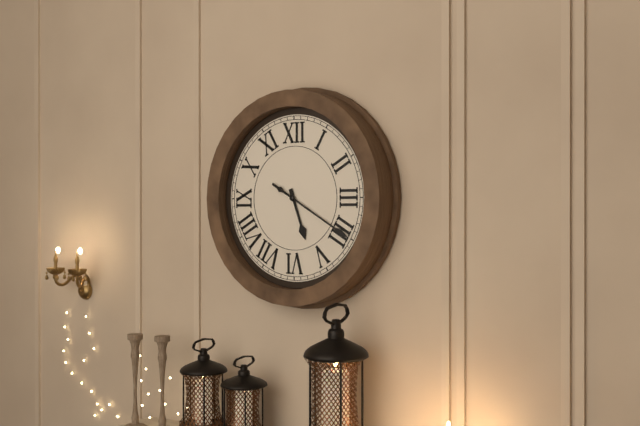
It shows 5:20
